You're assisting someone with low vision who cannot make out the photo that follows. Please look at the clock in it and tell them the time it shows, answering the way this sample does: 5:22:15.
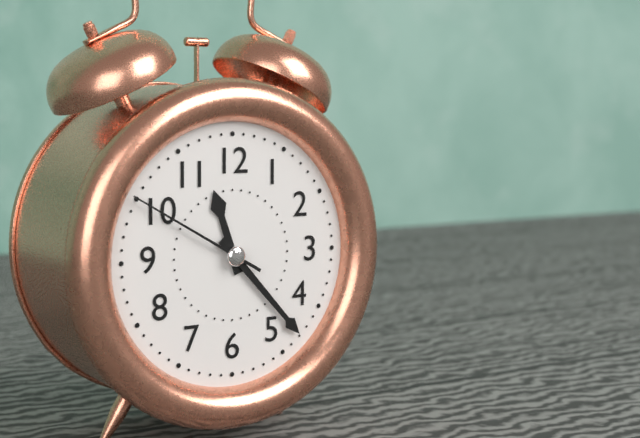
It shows 11:23:50
